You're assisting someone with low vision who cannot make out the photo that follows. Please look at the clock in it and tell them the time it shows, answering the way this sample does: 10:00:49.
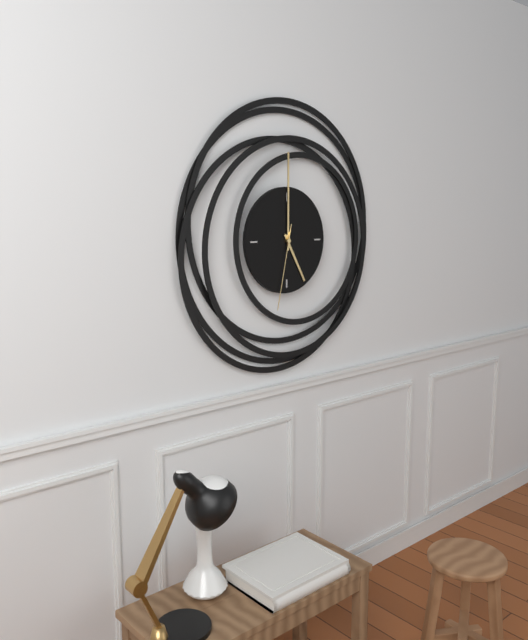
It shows 5:00:32
